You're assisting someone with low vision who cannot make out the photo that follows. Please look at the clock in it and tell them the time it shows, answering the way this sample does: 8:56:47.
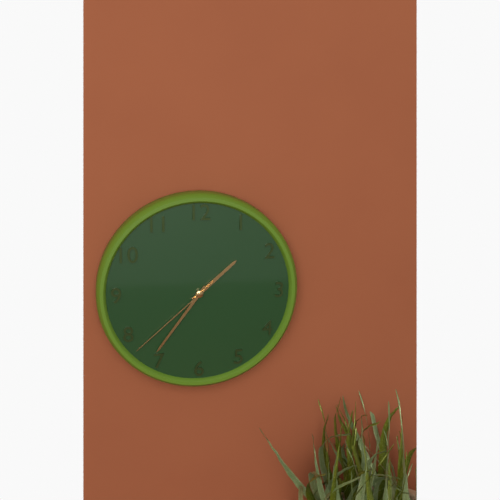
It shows 1:36:38
